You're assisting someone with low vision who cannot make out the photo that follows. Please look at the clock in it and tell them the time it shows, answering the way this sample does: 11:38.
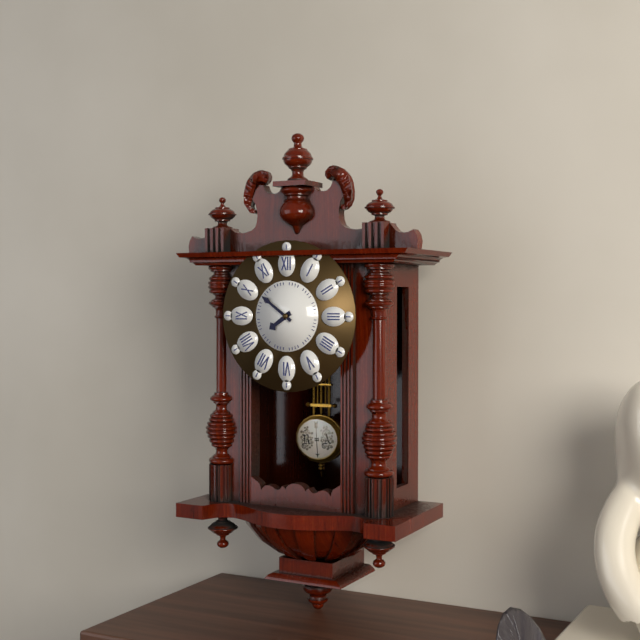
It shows 7:51
